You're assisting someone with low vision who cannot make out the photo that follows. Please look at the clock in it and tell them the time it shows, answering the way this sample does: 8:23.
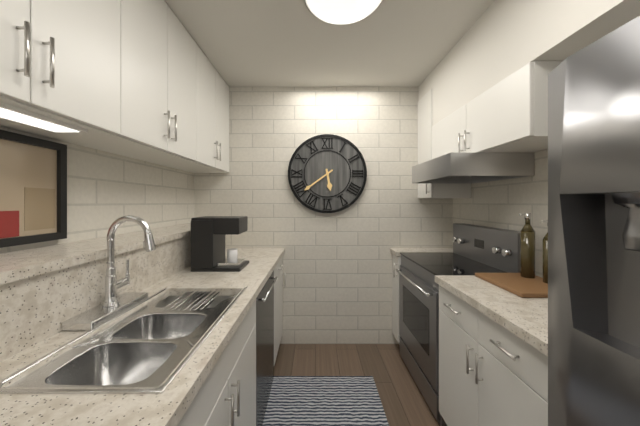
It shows 5:39
